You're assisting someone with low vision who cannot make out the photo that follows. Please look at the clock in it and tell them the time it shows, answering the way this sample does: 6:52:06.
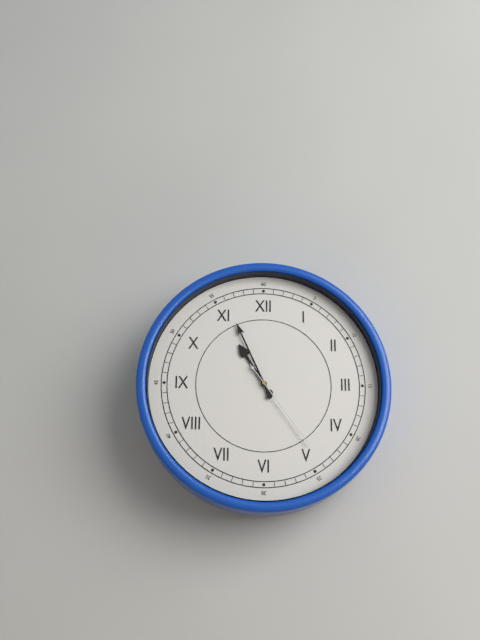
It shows 10:56:24
